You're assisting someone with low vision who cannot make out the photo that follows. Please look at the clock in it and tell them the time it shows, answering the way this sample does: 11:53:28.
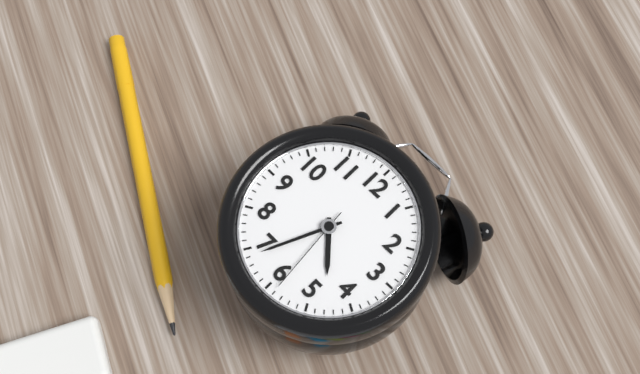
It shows 4:34:29
